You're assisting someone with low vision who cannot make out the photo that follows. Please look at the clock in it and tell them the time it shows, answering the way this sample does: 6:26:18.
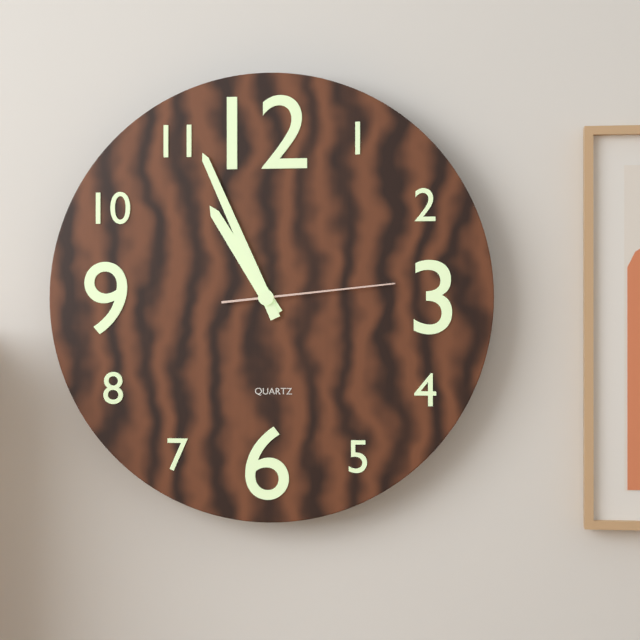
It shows 10:56:14
